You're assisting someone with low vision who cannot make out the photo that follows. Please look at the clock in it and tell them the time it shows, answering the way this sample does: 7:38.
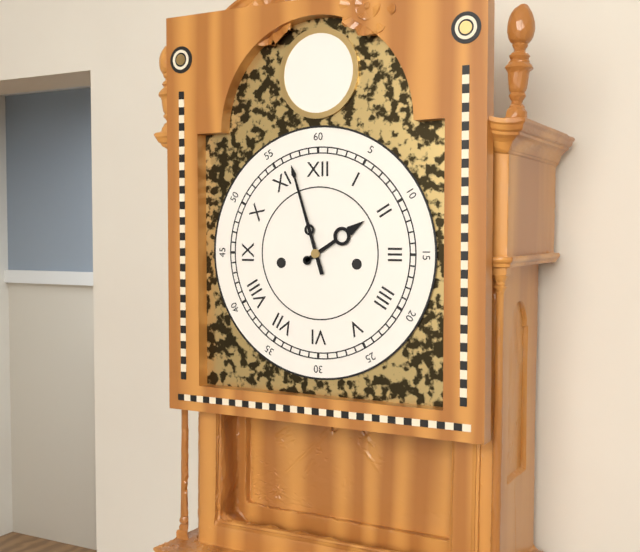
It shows 1:57
